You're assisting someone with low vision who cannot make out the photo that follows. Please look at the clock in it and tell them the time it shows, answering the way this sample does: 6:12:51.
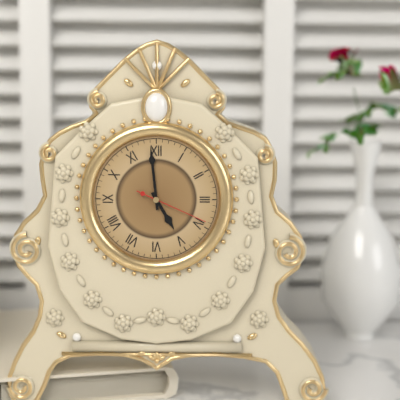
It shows 4:59:19
